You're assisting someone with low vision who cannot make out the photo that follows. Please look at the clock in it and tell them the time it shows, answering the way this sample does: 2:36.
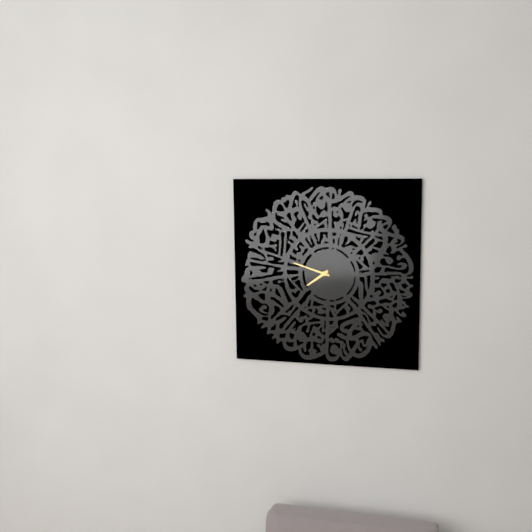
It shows 7:48
